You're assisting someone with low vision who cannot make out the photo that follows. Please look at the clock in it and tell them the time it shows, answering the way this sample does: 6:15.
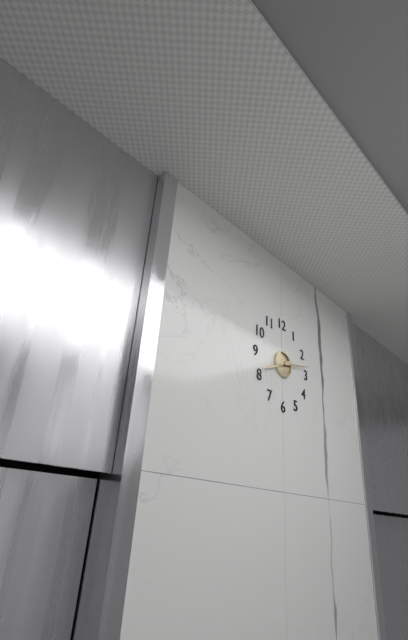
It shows 8:13
